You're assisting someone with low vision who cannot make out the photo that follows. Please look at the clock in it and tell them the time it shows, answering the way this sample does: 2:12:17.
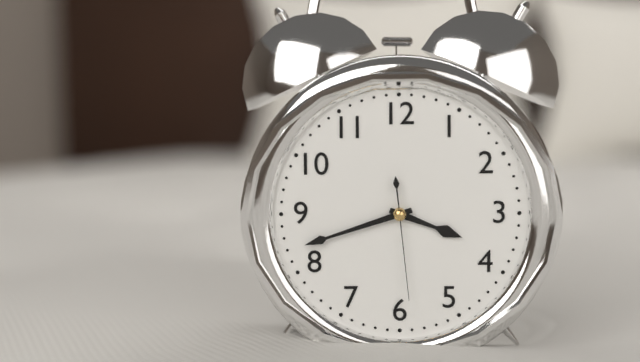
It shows 3:42:29
